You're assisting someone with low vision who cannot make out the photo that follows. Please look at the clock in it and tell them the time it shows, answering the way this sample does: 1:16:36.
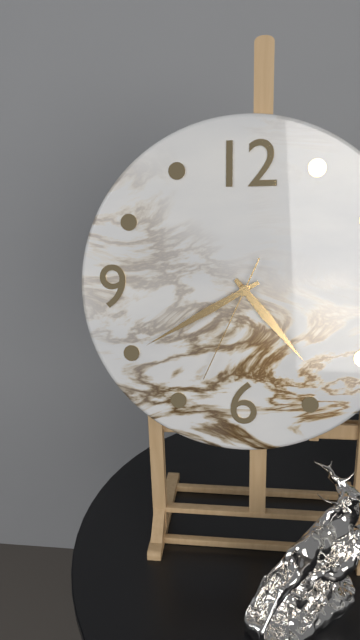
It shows 4:40:34
